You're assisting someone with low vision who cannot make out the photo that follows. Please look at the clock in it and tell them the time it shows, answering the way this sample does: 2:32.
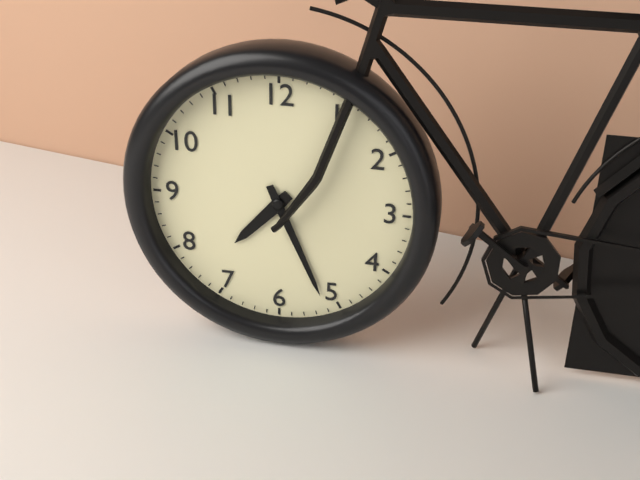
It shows 7:26
